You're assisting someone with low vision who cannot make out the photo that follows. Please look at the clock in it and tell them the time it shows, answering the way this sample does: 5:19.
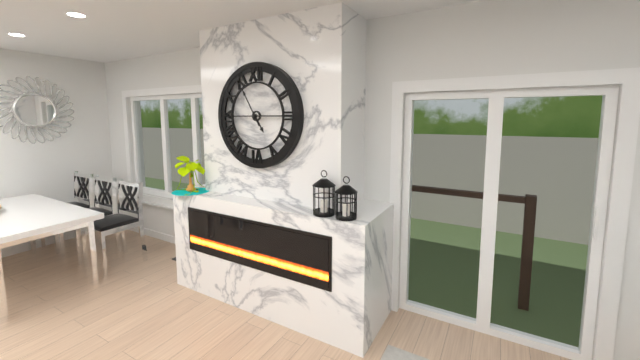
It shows 4:55
